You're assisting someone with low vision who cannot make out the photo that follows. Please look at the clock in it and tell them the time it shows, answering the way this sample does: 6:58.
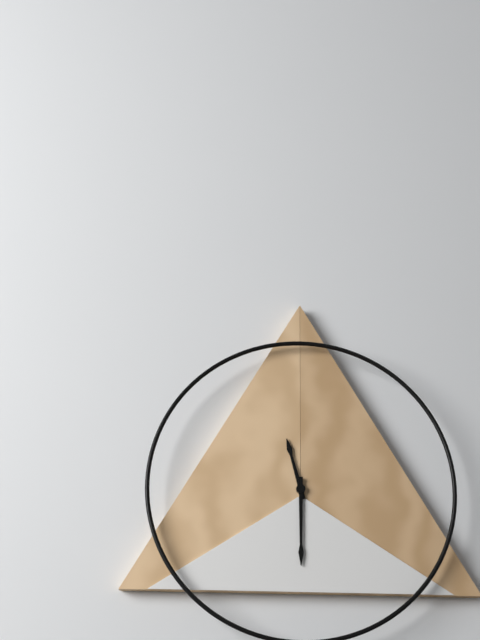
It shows 11:30
